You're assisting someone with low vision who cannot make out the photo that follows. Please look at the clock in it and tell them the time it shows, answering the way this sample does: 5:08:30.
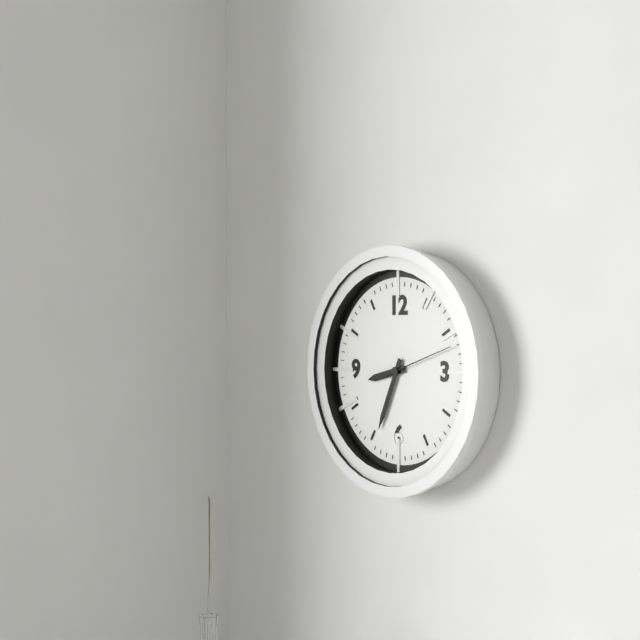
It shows 8:34:12
